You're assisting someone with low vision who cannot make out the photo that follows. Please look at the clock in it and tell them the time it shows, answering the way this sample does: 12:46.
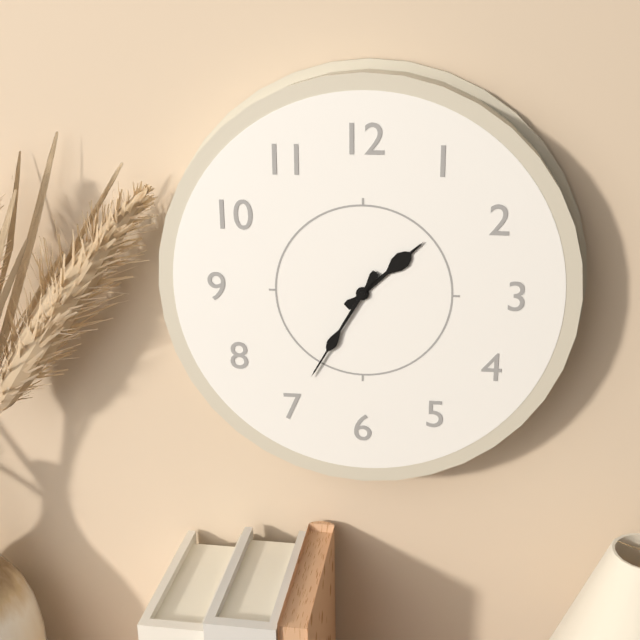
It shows 1:35
